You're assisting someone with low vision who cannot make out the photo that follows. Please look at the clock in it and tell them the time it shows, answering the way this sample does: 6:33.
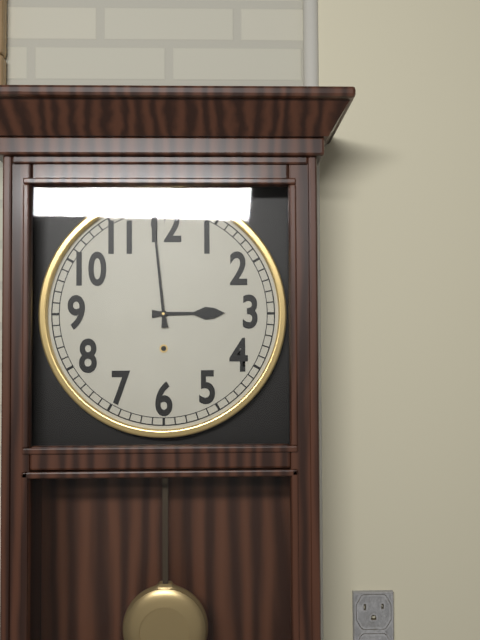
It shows 2:59
